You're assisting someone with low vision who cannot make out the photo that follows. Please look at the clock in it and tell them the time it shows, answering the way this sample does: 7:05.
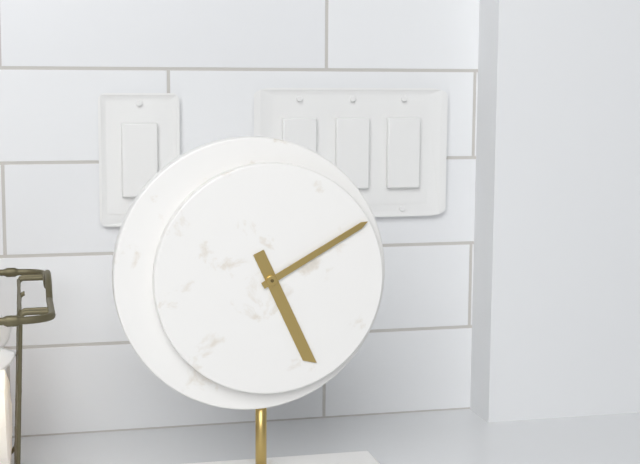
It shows 5:10
